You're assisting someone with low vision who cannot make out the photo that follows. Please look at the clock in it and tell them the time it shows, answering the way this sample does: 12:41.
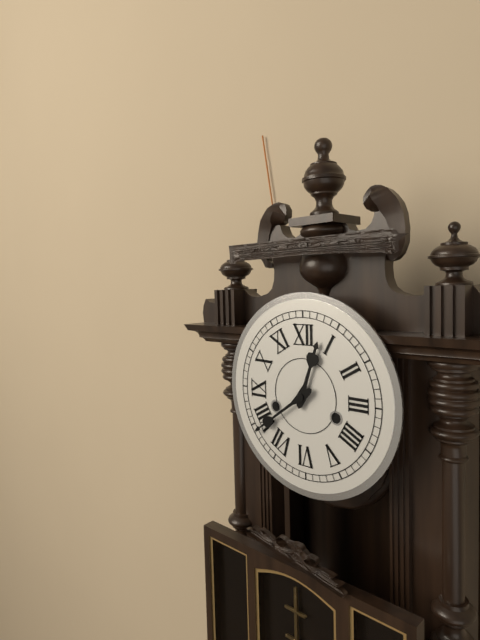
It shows 12:39
